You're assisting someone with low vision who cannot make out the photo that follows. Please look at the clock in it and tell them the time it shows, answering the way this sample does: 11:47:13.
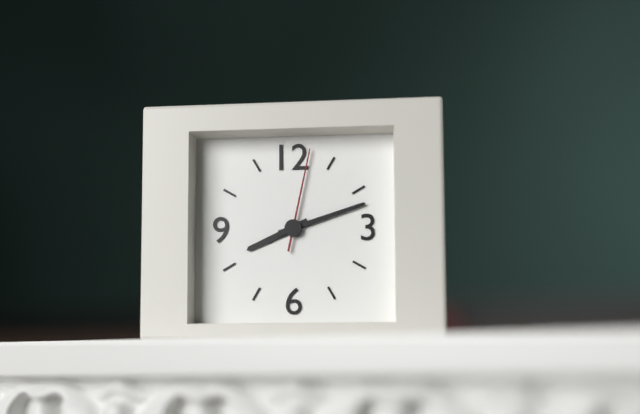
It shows 8:12:02
